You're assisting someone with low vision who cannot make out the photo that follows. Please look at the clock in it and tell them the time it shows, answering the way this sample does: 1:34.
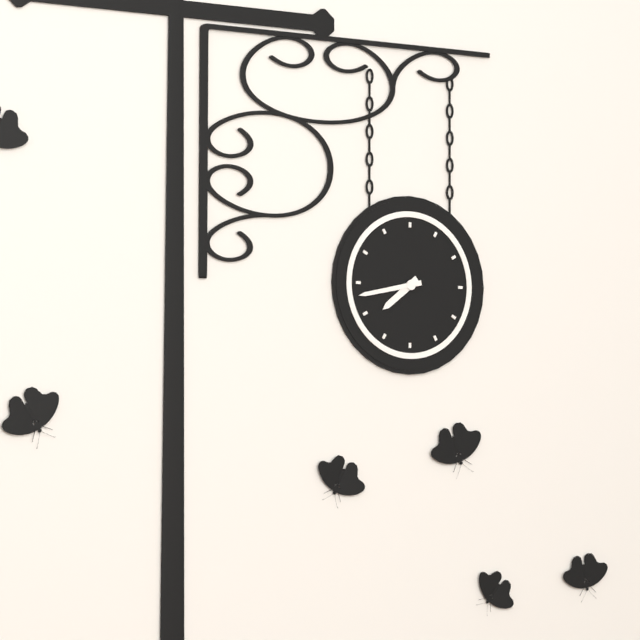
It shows 7:43
